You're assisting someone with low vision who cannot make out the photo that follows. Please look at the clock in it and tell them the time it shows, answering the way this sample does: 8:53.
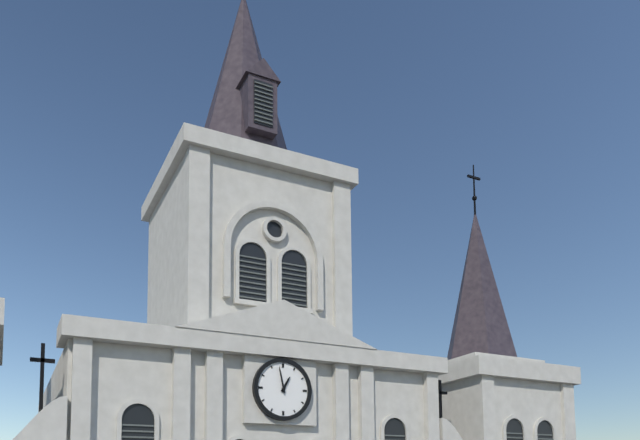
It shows 12:58
